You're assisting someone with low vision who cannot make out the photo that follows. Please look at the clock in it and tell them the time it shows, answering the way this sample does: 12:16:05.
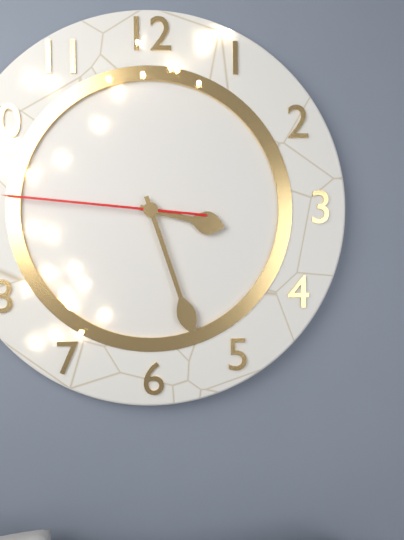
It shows 3:27:46
